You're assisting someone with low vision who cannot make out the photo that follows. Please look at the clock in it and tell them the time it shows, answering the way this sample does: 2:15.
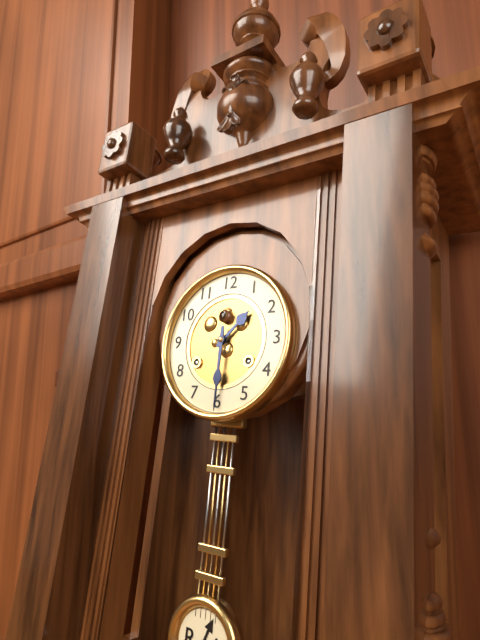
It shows 1:30
